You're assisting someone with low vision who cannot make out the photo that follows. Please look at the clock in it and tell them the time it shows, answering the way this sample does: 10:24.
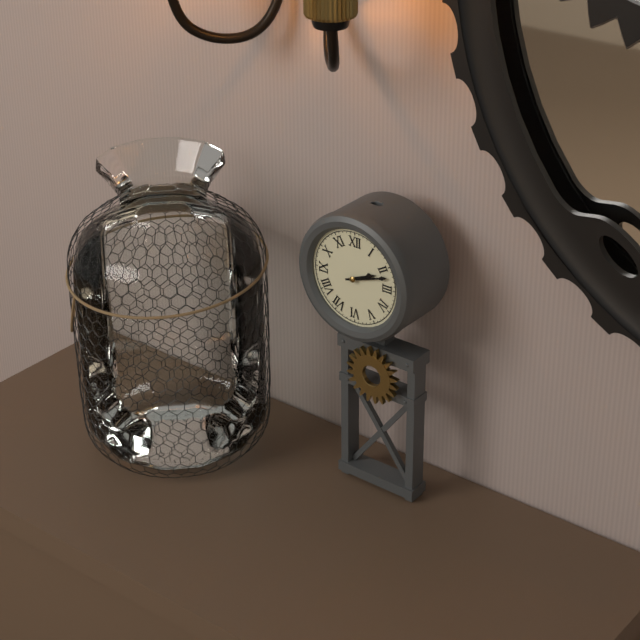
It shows 2:12
